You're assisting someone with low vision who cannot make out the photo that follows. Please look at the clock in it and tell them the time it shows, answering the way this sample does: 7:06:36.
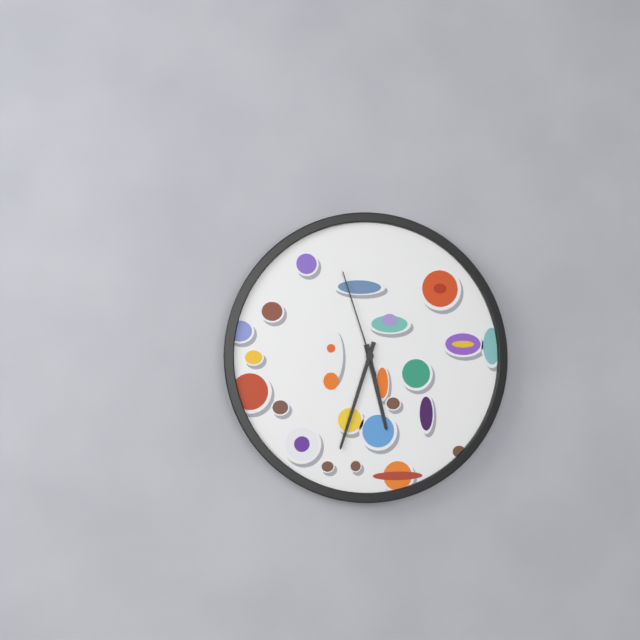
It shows 5:33:57
